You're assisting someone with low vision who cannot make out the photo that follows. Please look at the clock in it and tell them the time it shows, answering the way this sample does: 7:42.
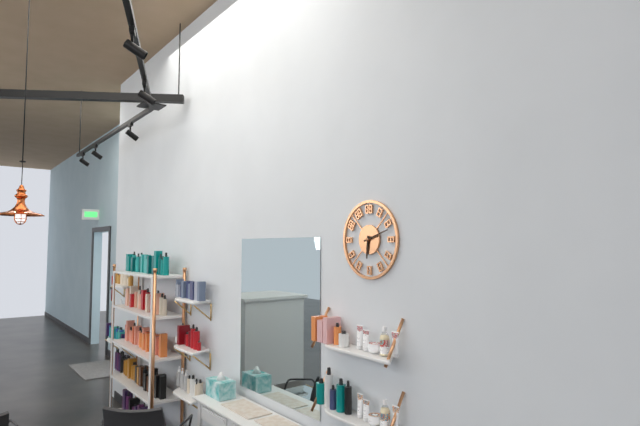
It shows 6:12
